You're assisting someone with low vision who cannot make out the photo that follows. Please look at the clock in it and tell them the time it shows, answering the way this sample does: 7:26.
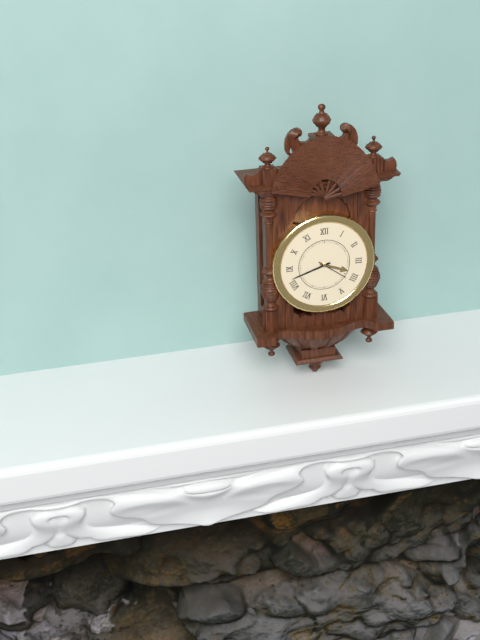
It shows 3:42
